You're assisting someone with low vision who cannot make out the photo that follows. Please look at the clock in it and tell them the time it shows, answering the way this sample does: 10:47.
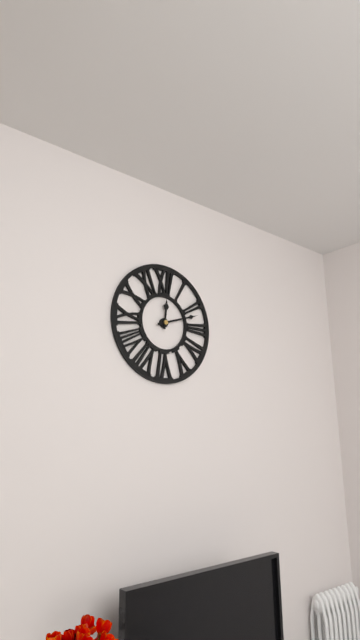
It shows 12:12
